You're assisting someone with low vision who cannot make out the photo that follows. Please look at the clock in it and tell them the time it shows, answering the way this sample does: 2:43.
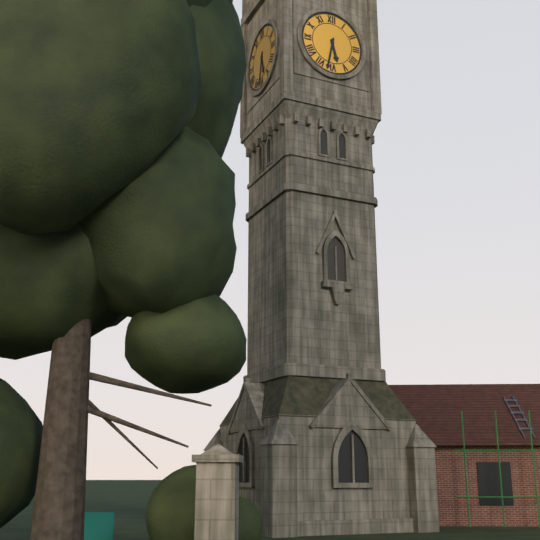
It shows 5:32
